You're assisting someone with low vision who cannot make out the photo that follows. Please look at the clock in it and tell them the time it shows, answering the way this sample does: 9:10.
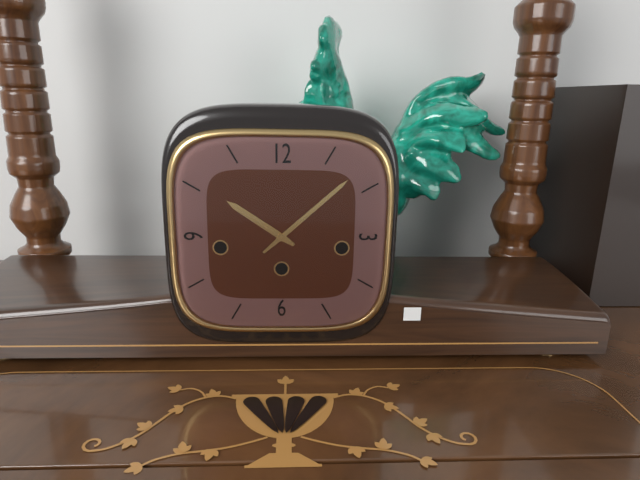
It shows 10:08
